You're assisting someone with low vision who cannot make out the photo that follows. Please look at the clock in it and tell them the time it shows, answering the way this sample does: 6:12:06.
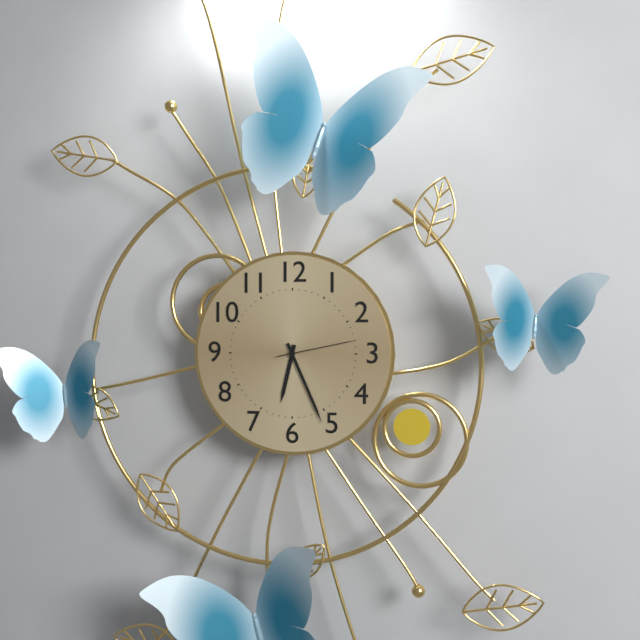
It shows 6:26:13
